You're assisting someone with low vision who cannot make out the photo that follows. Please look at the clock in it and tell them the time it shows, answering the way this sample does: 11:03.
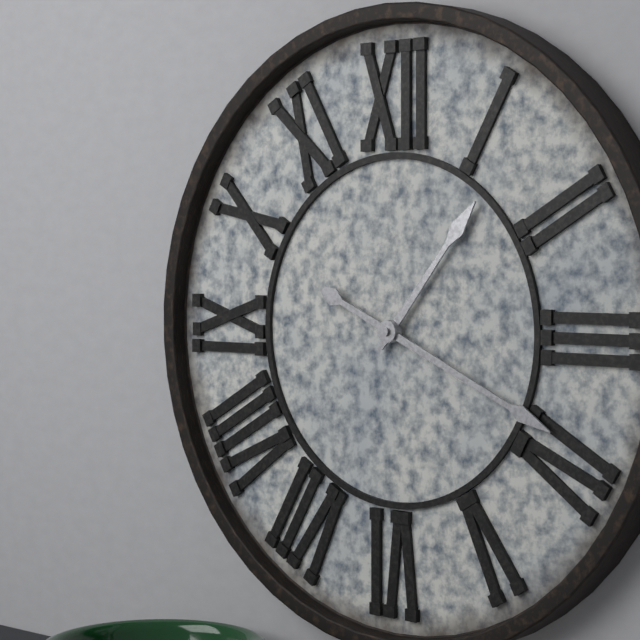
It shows 1:19
